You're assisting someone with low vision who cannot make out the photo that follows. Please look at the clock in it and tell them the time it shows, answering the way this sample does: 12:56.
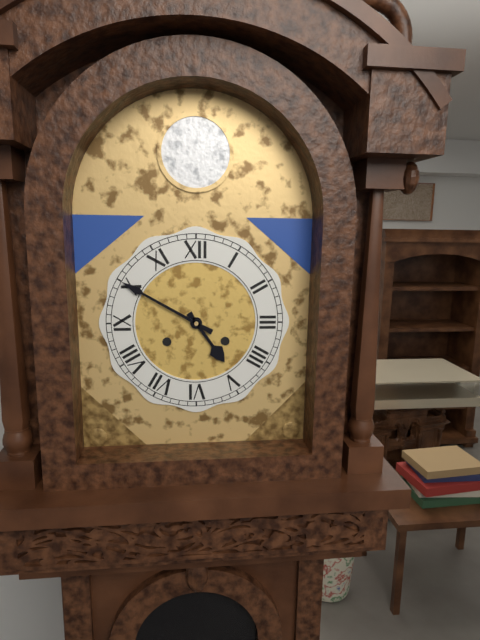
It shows 4:50
